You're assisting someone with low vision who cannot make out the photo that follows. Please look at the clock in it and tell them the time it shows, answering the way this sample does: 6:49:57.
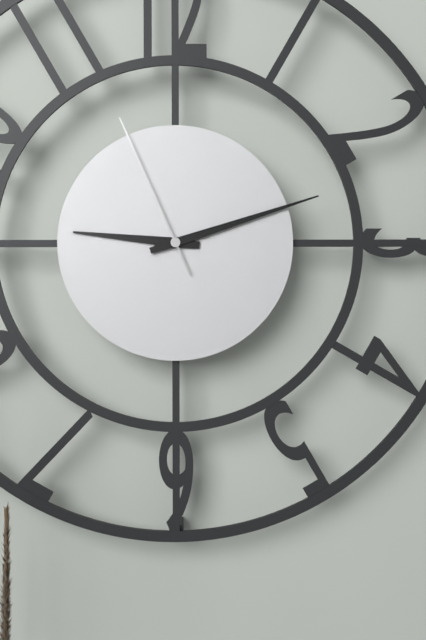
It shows 9:12:56
